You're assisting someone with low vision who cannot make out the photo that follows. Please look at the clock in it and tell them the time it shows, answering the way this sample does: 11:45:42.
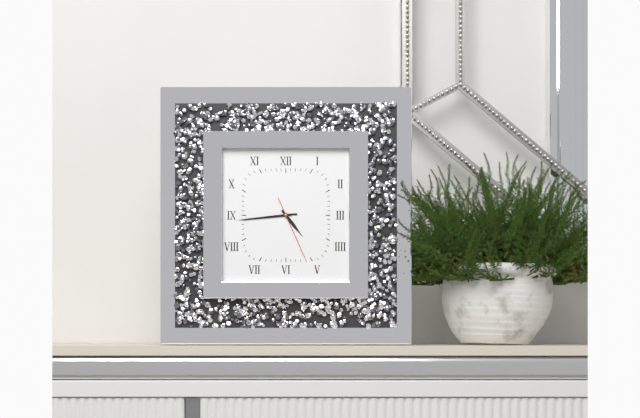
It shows 4:44:26
